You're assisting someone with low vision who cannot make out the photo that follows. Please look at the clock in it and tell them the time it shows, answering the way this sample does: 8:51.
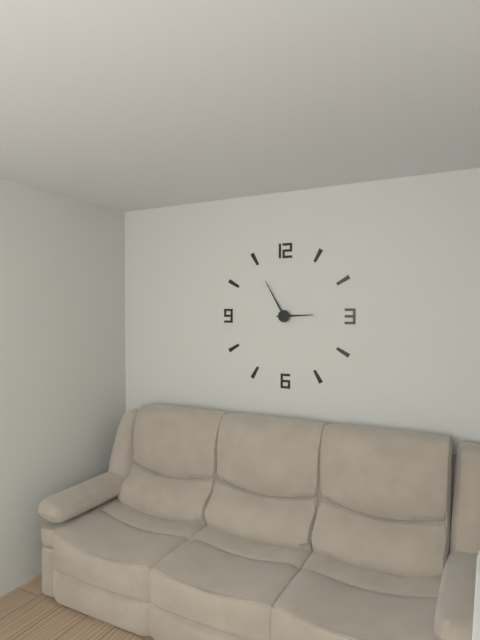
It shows 2:55
